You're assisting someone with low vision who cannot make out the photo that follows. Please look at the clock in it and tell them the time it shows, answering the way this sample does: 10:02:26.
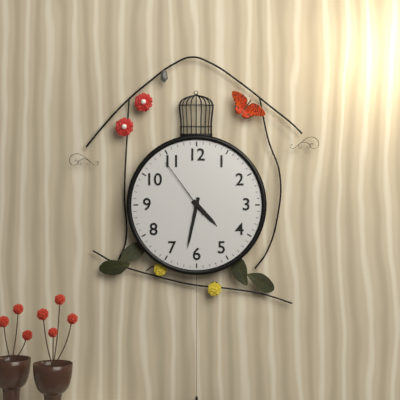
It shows 4:32:54
